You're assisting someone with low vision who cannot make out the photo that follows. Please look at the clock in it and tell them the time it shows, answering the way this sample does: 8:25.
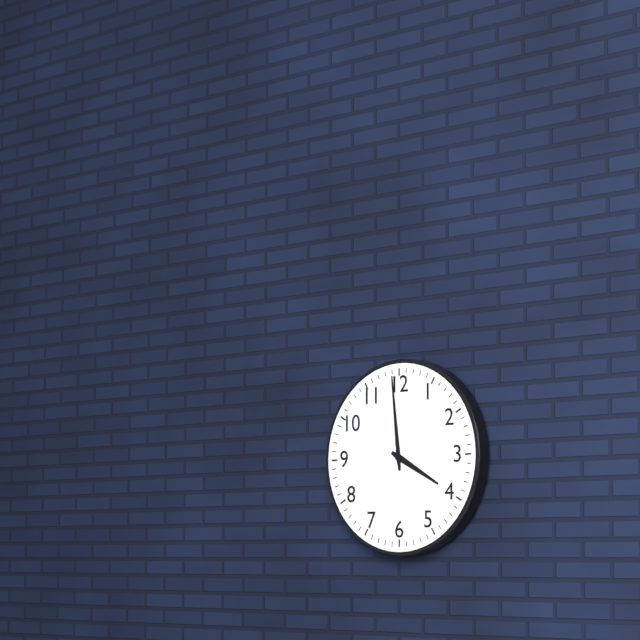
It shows 3:59
